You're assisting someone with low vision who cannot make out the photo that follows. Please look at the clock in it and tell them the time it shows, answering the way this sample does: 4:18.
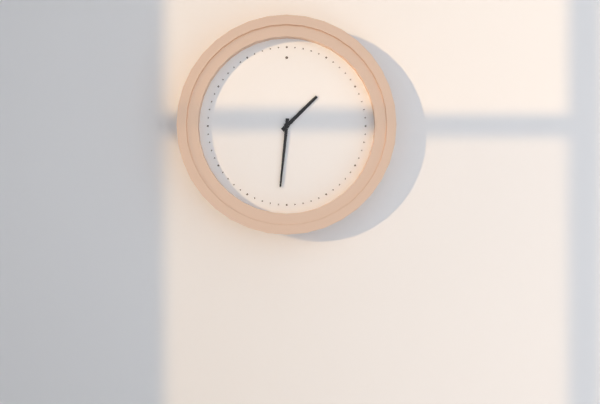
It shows 1:31
